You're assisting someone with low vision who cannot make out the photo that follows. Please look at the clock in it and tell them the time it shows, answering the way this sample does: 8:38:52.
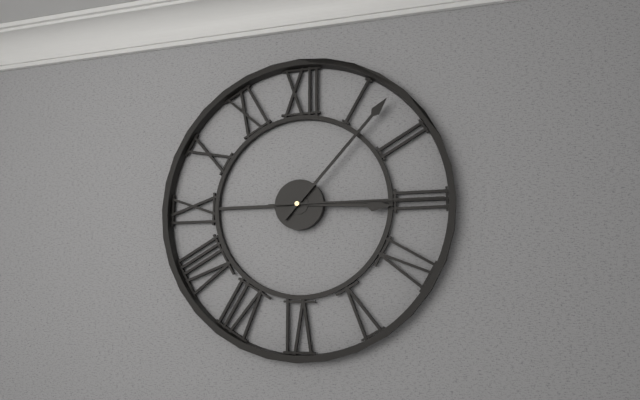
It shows 3:07:15
